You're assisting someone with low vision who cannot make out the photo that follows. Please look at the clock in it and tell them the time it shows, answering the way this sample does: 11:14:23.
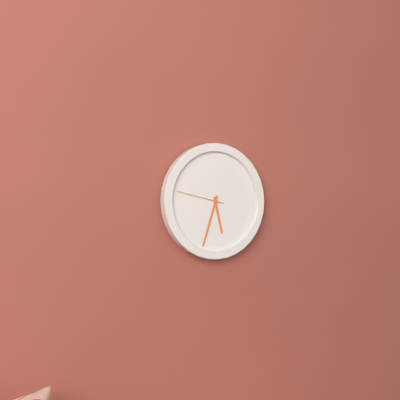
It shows 5:33:47
